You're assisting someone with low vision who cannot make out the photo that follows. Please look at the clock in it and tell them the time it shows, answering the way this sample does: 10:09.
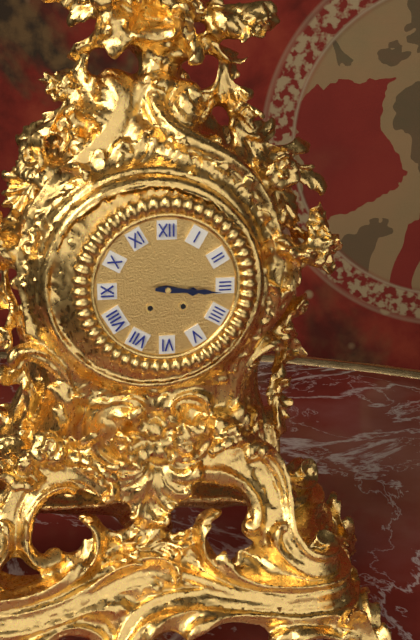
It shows 3:16
